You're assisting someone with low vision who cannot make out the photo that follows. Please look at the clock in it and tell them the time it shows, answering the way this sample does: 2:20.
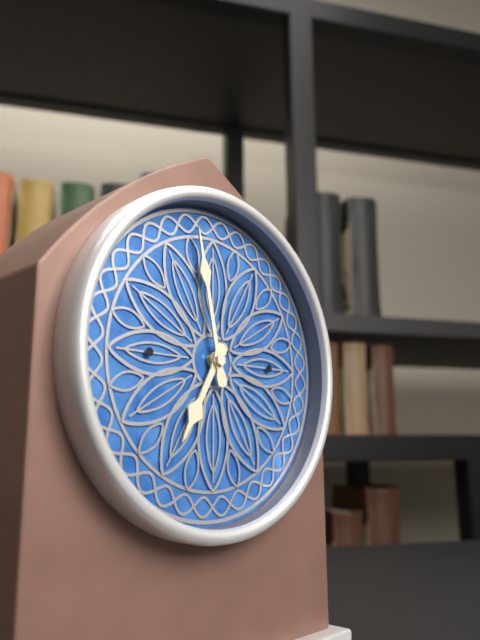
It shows 6:58
